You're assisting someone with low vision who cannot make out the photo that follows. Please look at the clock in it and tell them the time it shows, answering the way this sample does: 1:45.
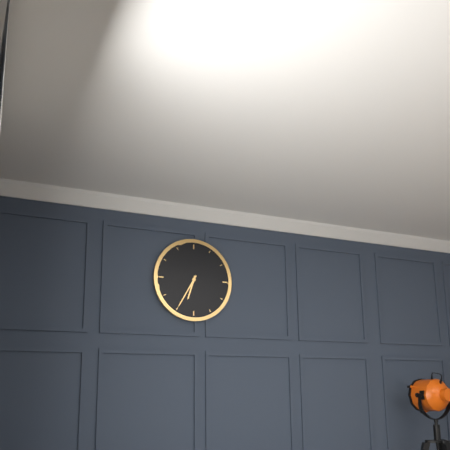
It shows 6:35
